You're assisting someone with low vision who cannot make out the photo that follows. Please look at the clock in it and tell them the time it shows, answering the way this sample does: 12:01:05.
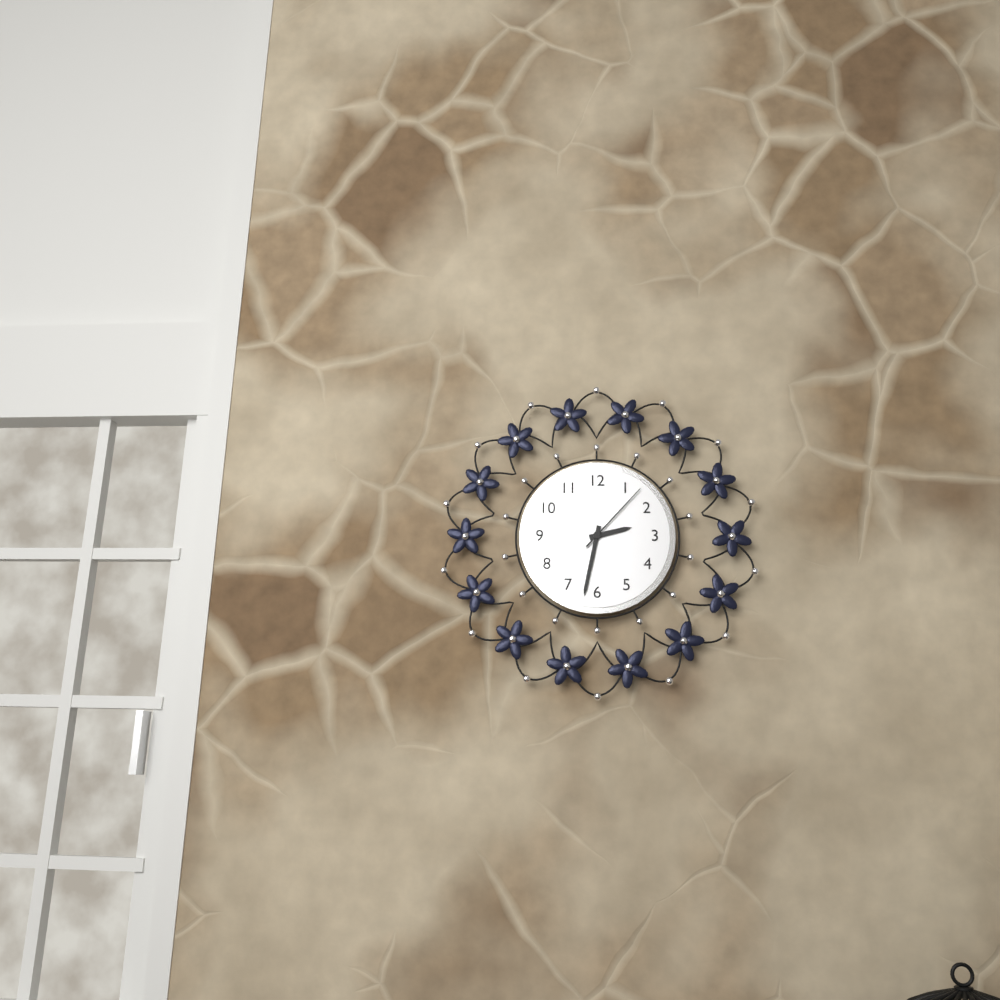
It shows 2:32:07
